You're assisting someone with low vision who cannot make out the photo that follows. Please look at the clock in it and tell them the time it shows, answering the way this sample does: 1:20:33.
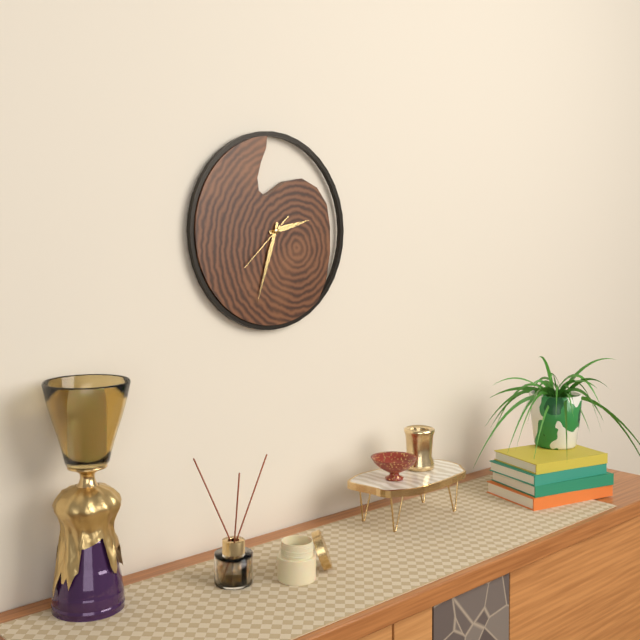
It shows 2:33:38
